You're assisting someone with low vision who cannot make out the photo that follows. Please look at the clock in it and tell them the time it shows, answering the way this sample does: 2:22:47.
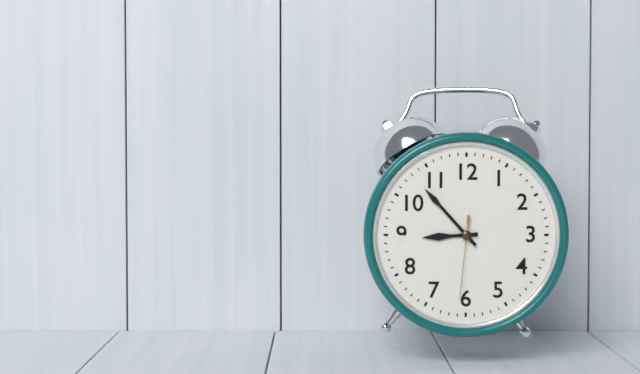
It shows 8:53:31
